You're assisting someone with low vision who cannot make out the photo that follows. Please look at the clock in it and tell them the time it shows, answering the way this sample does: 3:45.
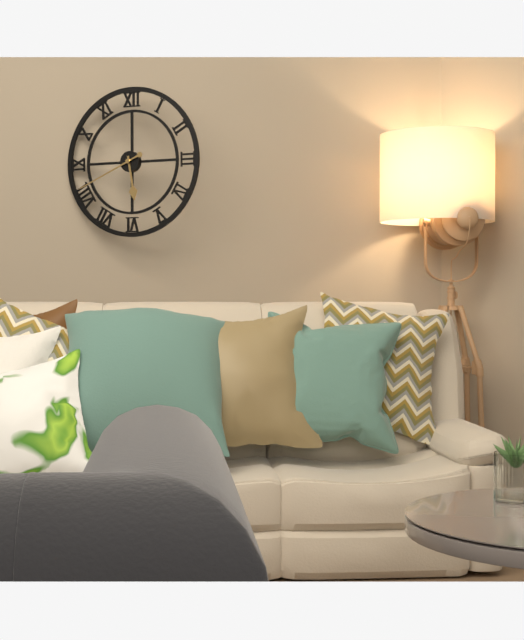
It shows 5:41
